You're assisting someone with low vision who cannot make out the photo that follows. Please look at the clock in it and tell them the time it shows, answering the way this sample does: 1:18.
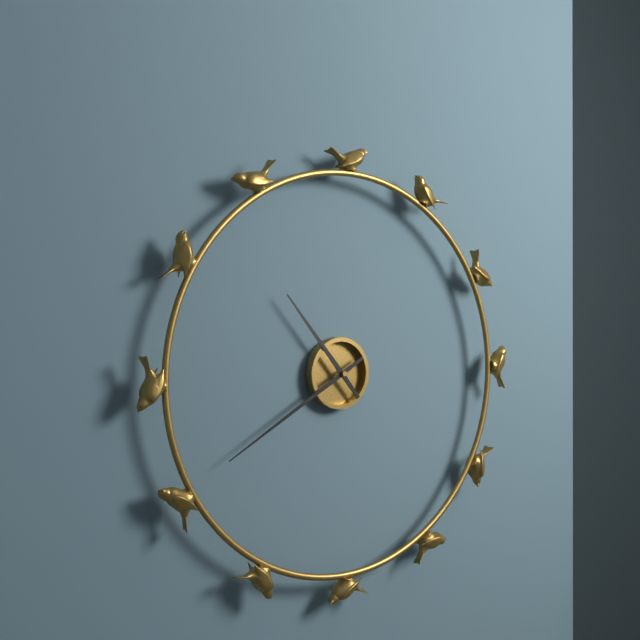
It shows 10:40
